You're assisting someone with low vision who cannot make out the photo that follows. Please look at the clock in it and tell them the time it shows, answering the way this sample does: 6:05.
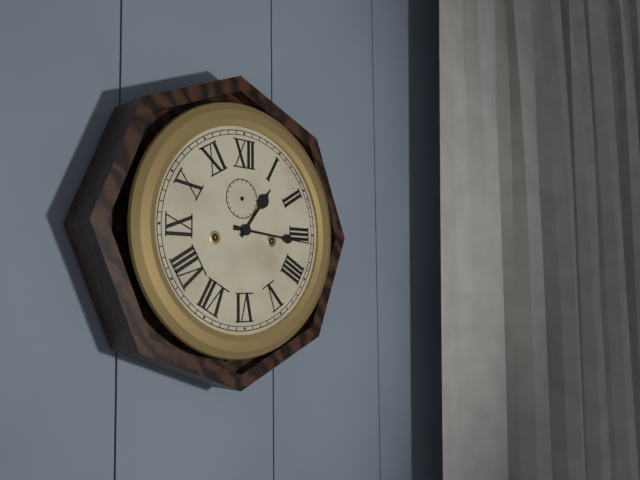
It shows 1:16
